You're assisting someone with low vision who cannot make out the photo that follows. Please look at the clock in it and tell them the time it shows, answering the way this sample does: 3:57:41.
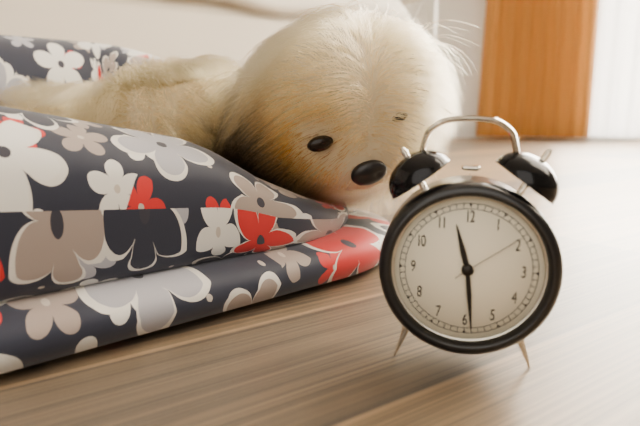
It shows 11:29:09
